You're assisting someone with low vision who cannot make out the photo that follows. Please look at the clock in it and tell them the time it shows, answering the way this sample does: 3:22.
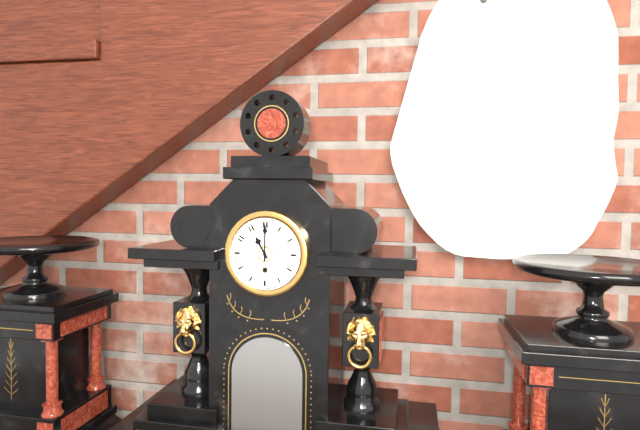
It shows 11:00
